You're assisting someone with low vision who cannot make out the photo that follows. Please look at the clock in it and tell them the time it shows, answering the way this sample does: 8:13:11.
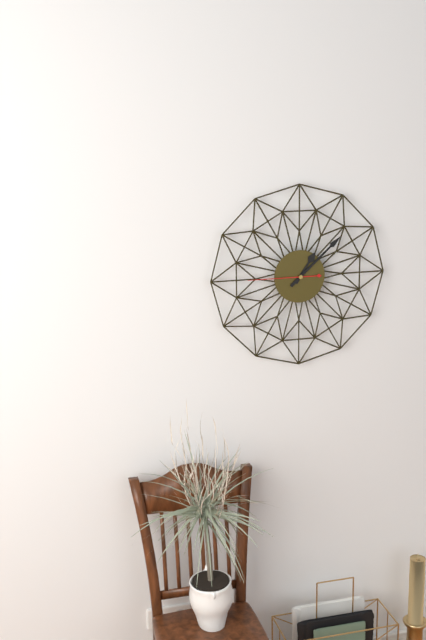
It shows 1:08:45
